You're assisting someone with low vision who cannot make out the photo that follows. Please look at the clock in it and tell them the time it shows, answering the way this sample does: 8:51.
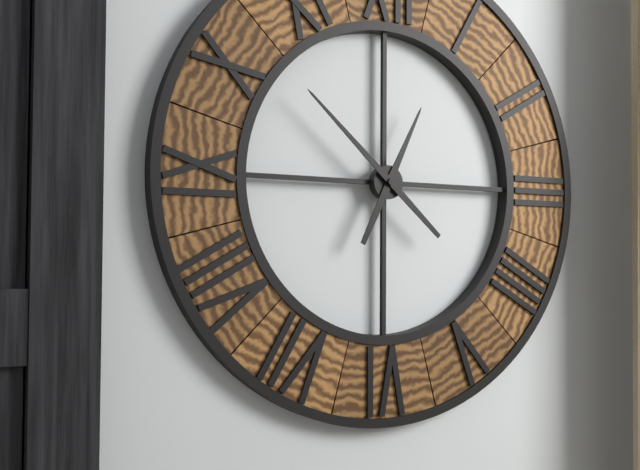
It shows 12:52
